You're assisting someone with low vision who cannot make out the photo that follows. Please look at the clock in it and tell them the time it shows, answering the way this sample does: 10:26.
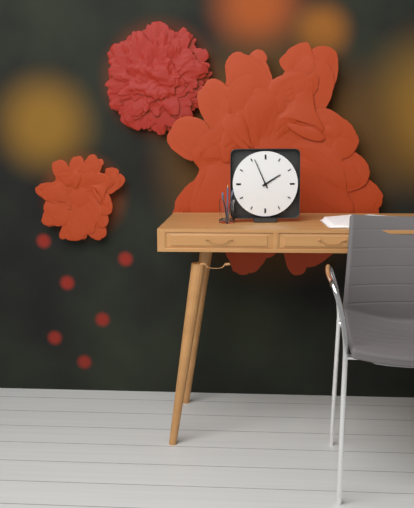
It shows 1:56
